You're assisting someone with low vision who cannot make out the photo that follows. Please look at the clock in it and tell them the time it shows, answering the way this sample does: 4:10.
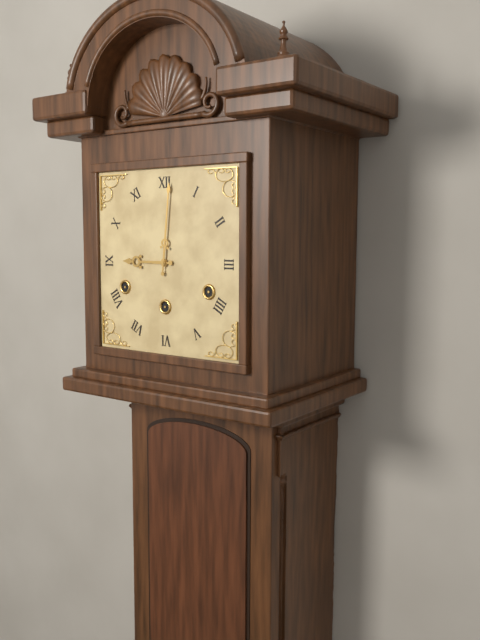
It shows 9:01
